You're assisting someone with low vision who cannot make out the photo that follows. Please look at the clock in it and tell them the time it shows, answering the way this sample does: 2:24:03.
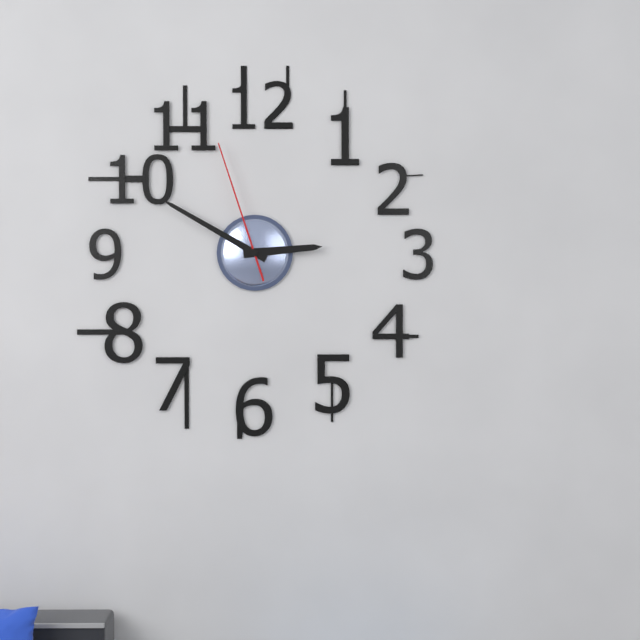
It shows 2:50:57
